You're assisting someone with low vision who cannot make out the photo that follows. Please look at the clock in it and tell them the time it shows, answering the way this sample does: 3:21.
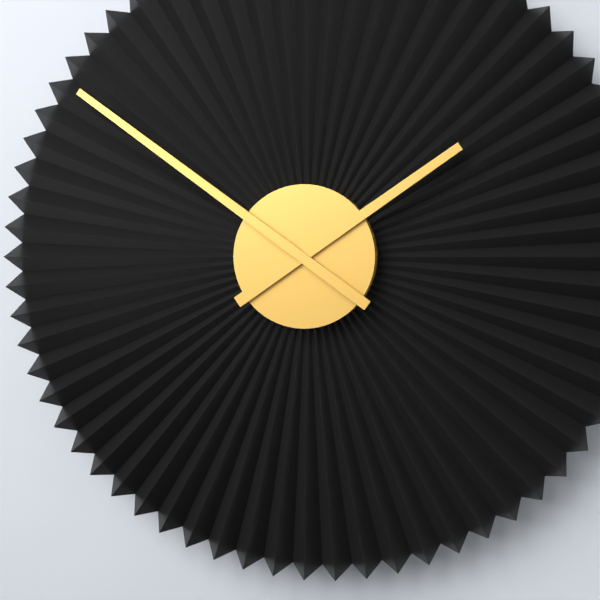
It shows 1:51
